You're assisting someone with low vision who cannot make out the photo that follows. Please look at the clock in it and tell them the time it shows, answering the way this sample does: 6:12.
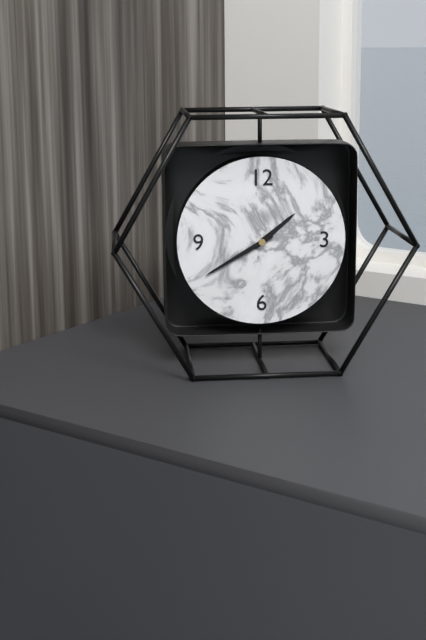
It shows 1:40
